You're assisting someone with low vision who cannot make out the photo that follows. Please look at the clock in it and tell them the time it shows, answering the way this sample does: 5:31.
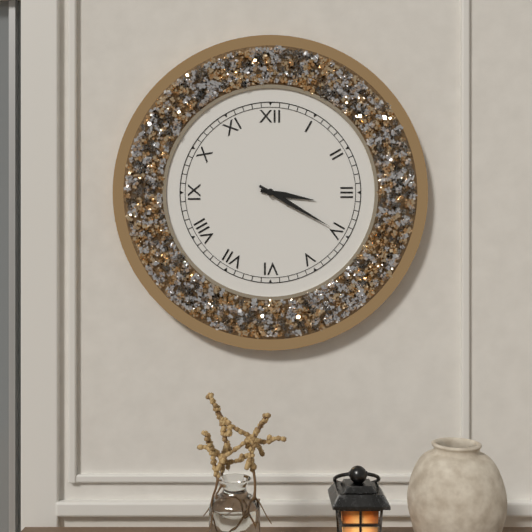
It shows 3:20
